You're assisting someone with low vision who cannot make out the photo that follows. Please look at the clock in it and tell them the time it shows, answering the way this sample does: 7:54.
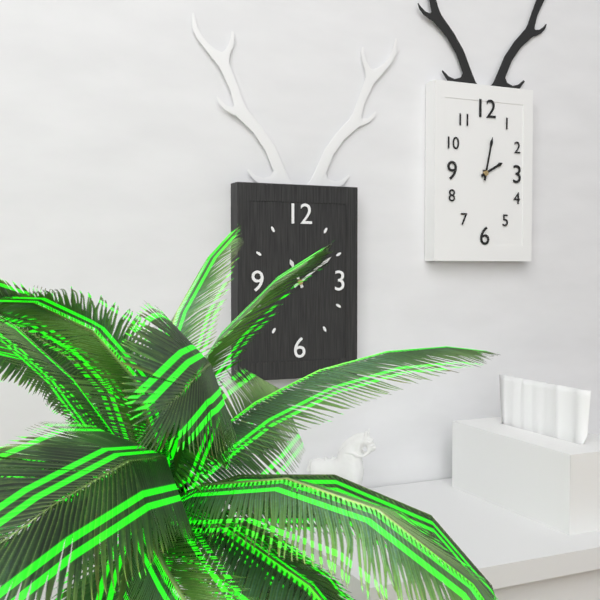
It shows 11:09
